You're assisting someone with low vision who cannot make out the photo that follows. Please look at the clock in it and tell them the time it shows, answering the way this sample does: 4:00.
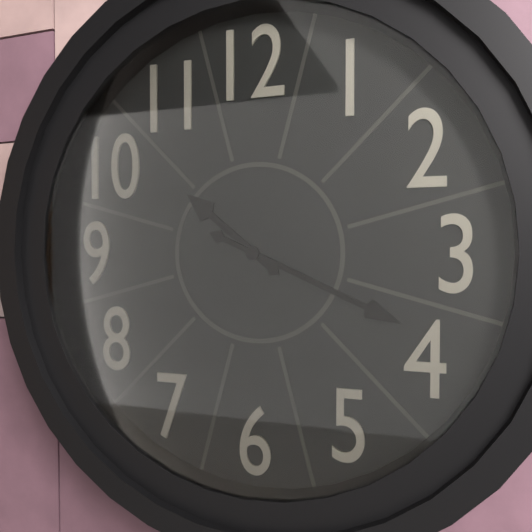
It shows 10:19
